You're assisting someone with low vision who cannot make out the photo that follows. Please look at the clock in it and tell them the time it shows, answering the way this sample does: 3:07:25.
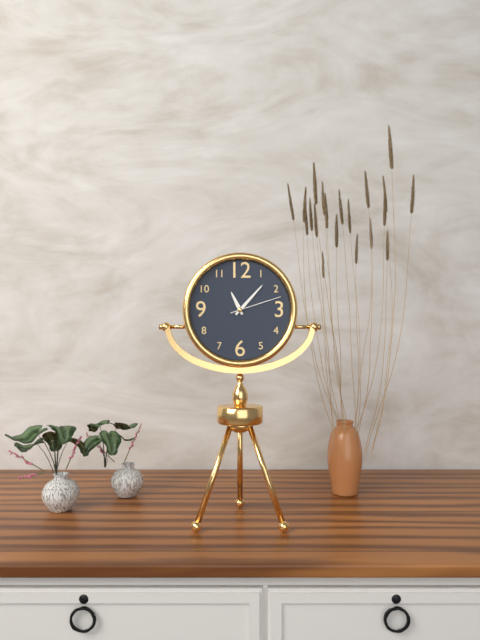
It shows 11:07:12
